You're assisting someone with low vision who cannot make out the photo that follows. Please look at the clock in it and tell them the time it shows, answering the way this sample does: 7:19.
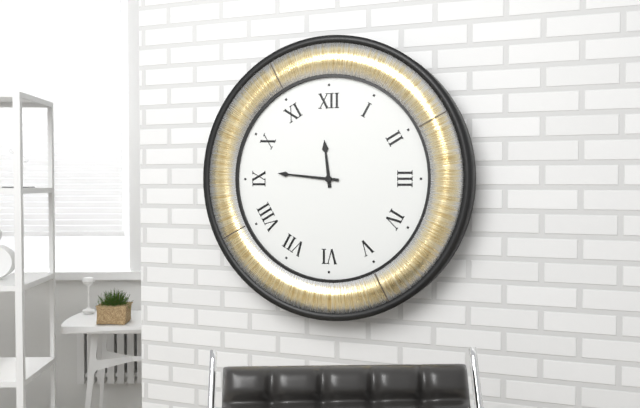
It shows 11:46
